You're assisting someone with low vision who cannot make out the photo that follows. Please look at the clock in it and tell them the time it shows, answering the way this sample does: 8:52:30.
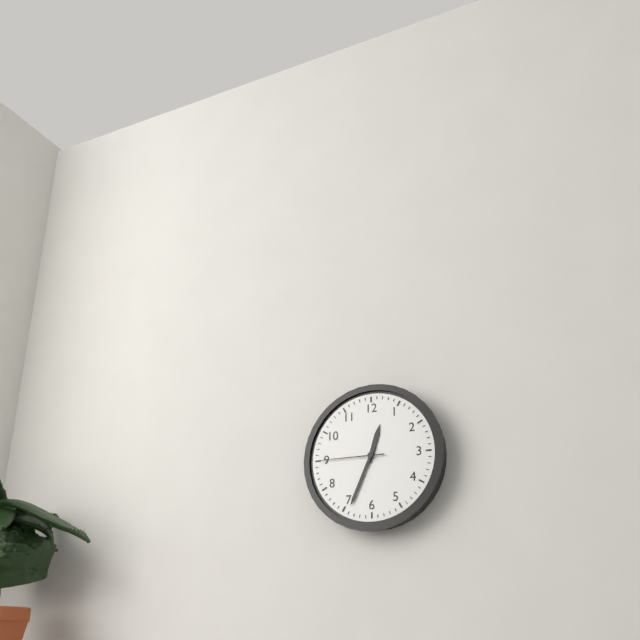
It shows 12:34:45
